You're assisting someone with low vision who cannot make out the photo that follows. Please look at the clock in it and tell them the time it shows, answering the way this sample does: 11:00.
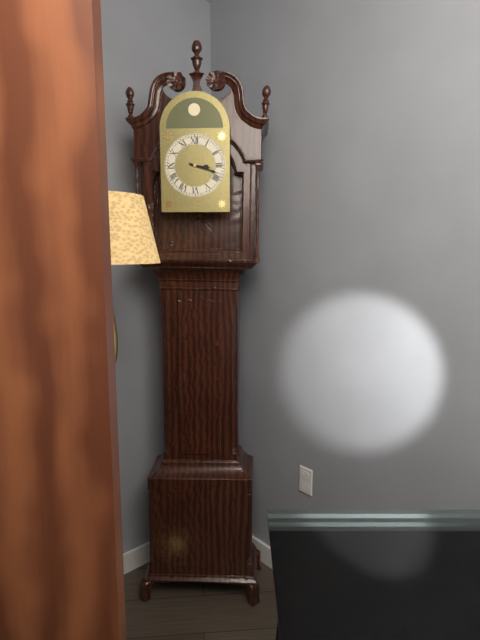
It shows 3:18
